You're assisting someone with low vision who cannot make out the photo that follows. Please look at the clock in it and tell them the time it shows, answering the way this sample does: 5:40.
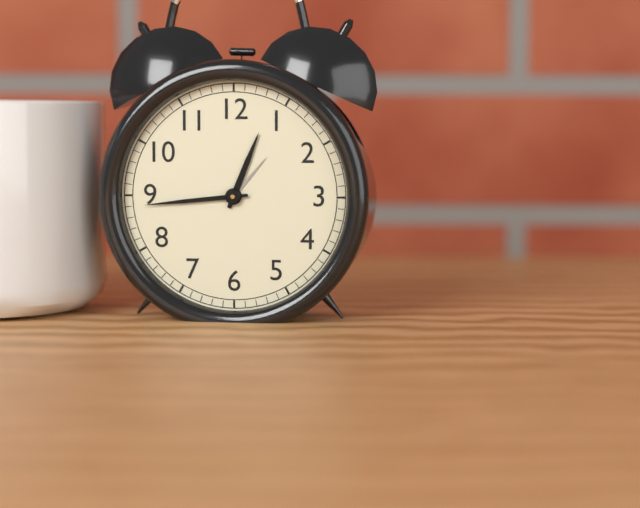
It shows 12:44
